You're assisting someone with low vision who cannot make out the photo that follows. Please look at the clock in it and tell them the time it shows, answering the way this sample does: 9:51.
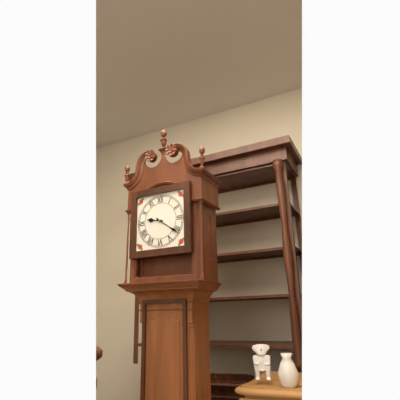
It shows 9:21
